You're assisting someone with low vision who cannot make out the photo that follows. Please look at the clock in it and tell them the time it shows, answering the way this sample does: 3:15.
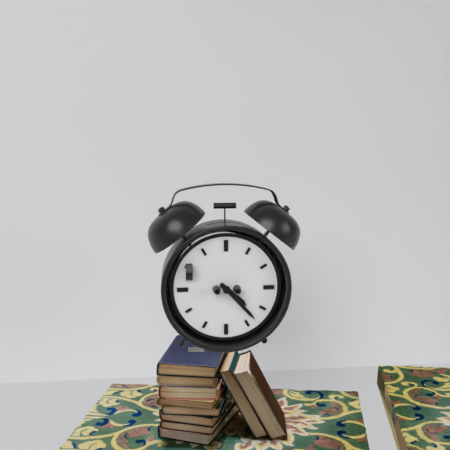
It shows 4:23
